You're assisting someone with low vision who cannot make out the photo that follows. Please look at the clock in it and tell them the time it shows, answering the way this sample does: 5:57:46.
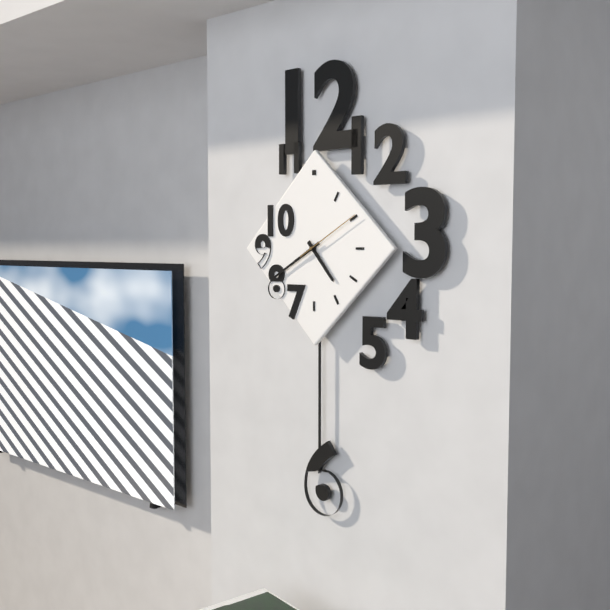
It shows 4:40:10
